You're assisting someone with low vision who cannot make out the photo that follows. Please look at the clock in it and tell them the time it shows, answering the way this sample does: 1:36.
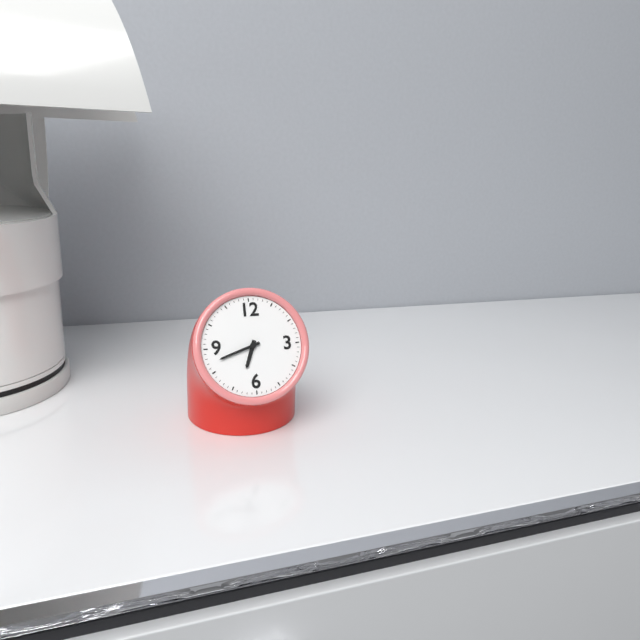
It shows 6:42
